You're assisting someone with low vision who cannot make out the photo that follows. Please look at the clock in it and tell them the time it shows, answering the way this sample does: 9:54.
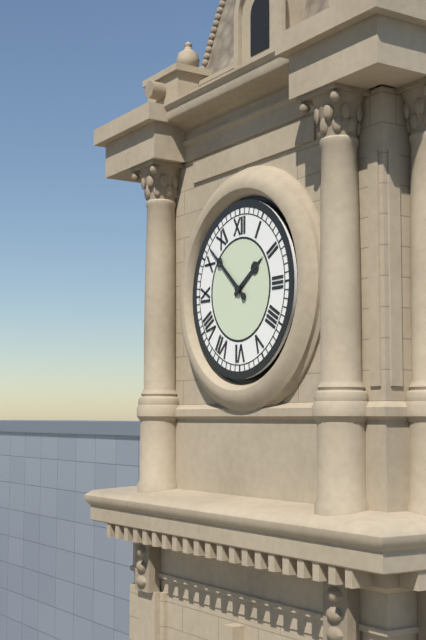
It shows 1:52
